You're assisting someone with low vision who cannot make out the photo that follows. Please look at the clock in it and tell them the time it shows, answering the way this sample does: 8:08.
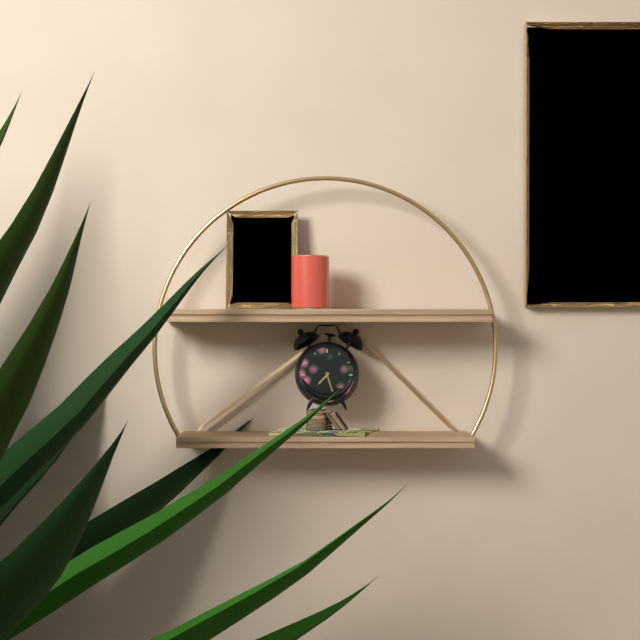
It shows 7:27
